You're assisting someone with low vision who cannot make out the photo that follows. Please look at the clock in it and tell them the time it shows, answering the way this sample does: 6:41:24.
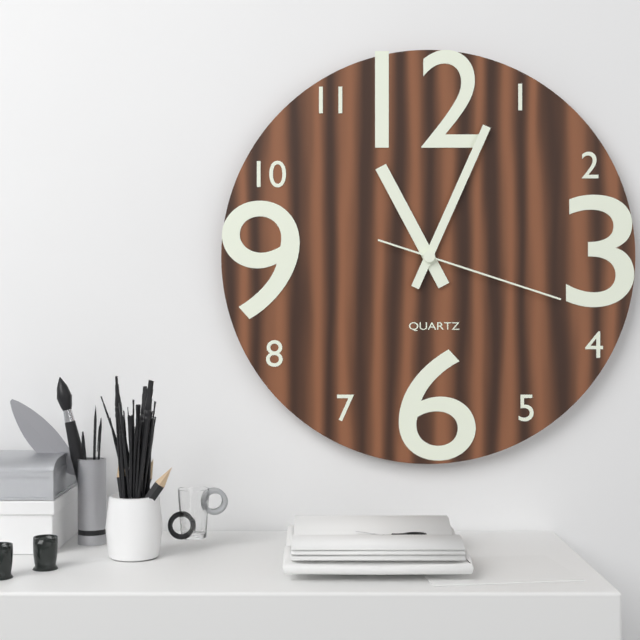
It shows 11:04:18
